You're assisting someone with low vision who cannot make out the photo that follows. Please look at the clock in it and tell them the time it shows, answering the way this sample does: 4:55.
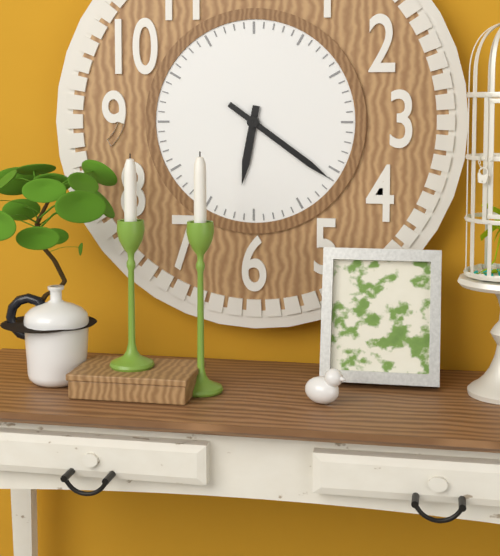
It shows 6:21
